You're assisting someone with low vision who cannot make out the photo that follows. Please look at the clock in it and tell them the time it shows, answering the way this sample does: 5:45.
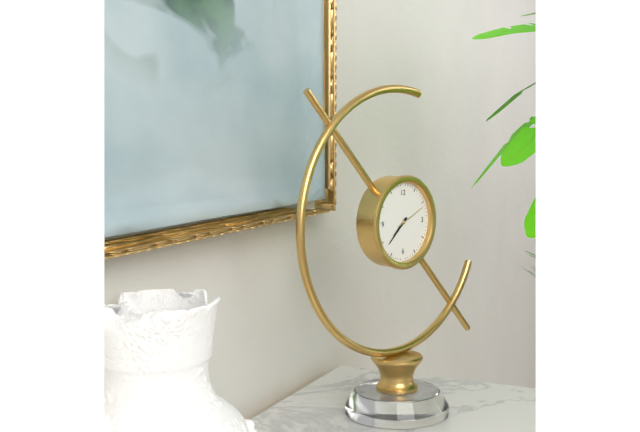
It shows 7:38
